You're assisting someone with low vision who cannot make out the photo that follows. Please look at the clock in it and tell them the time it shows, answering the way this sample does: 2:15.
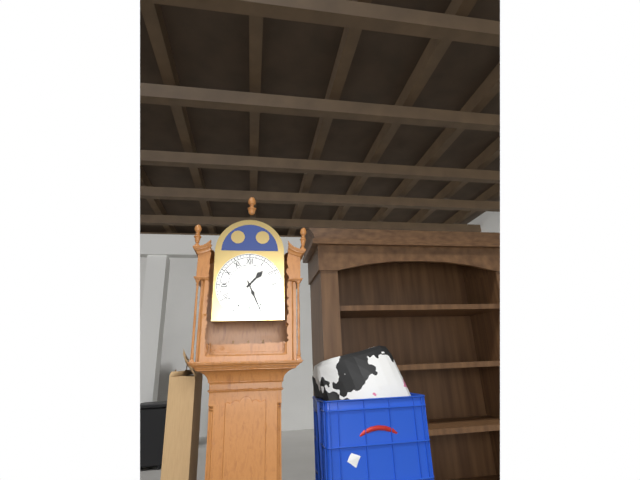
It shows 1:26
